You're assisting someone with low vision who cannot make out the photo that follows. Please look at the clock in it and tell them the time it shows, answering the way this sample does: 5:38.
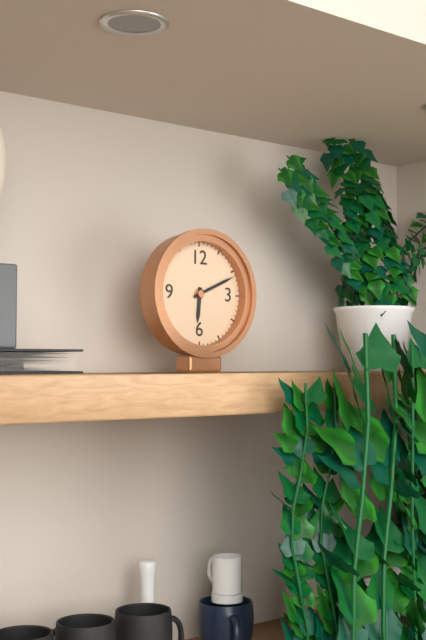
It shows 6:11
